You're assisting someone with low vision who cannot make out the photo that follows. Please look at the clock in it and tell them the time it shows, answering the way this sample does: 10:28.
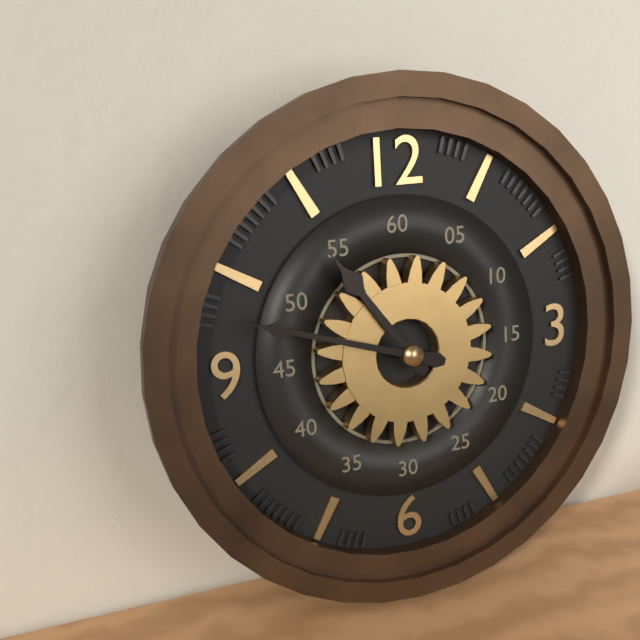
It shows 10:48
